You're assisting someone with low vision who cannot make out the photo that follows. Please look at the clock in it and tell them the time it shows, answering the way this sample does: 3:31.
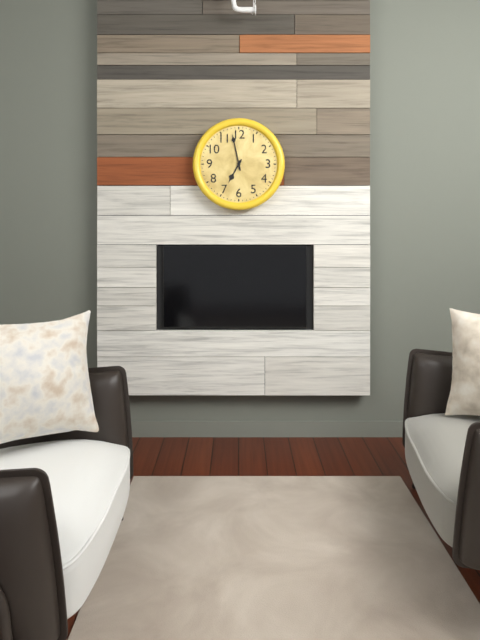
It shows 6:58
